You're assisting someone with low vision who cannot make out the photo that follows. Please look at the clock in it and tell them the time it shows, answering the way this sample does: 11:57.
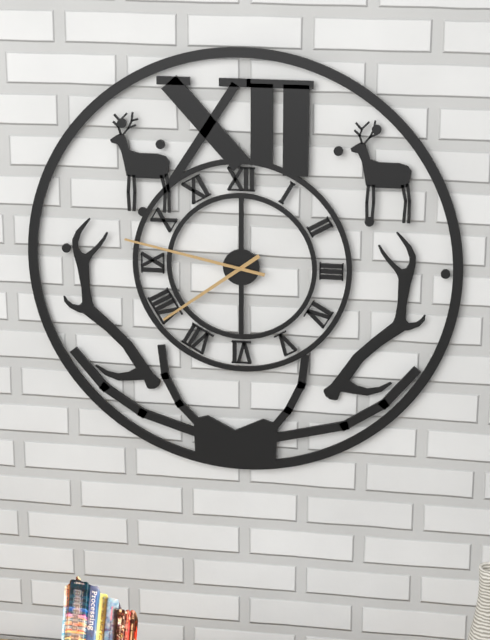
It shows 7:47
